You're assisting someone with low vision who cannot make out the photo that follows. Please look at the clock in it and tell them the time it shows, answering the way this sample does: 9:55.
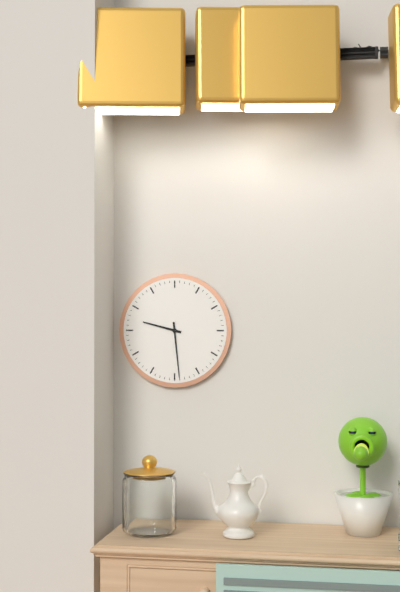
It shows 9:29
